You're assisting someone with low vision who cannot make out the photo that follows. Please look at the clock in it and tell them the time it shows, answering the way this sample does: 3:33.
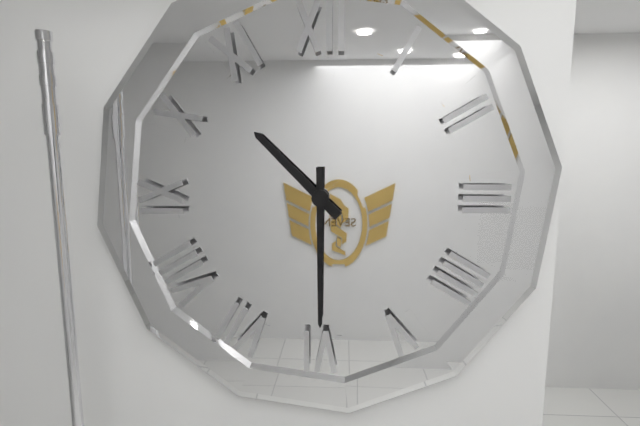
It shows 10:30
